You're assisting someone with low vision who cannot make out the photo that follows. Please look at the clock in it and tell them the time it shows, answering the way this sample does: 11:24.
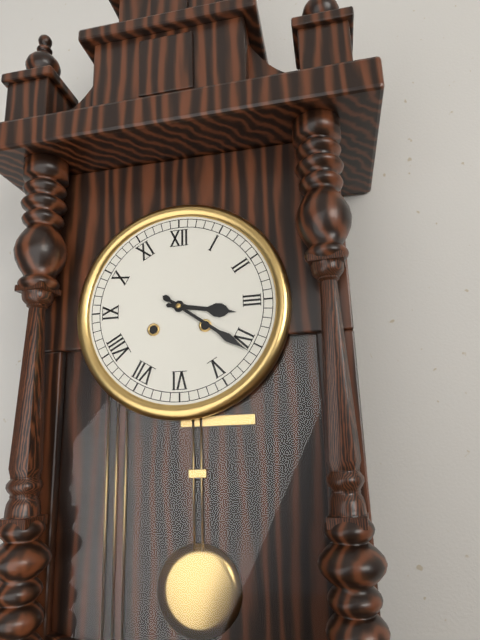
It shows 3:21
